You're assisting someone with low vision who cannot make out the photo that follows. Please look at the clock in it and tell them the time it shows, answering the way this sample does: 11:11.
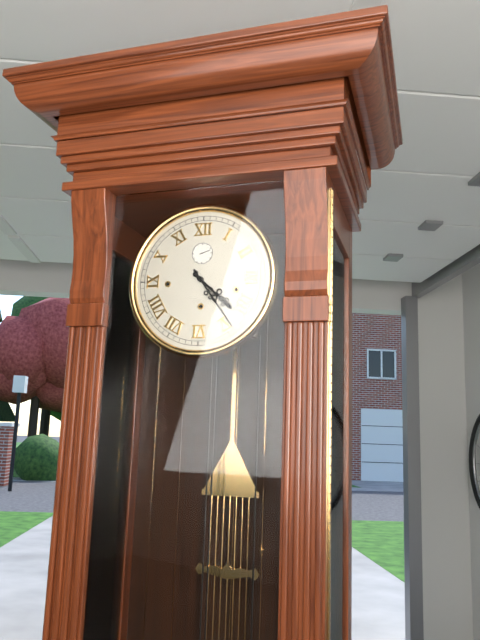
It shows 4:24
